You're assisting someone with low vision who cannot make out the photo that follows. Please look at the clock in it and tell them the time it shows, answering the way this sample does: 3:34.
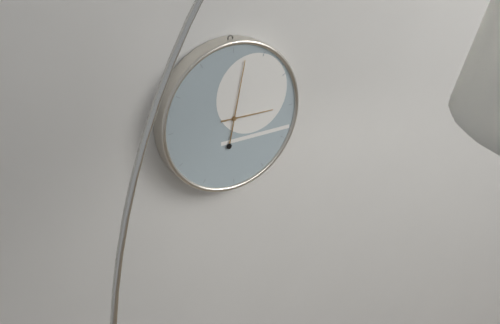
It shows 3:02
